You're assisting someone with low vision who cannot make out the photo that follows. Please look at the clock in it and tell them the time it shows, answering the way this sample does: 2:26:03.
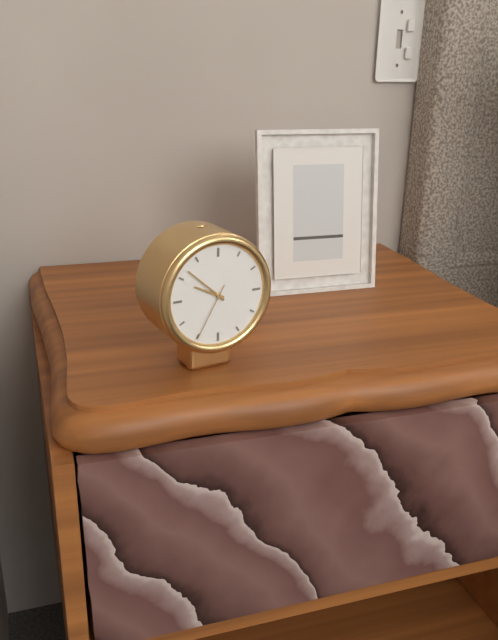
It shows 9:52:35
